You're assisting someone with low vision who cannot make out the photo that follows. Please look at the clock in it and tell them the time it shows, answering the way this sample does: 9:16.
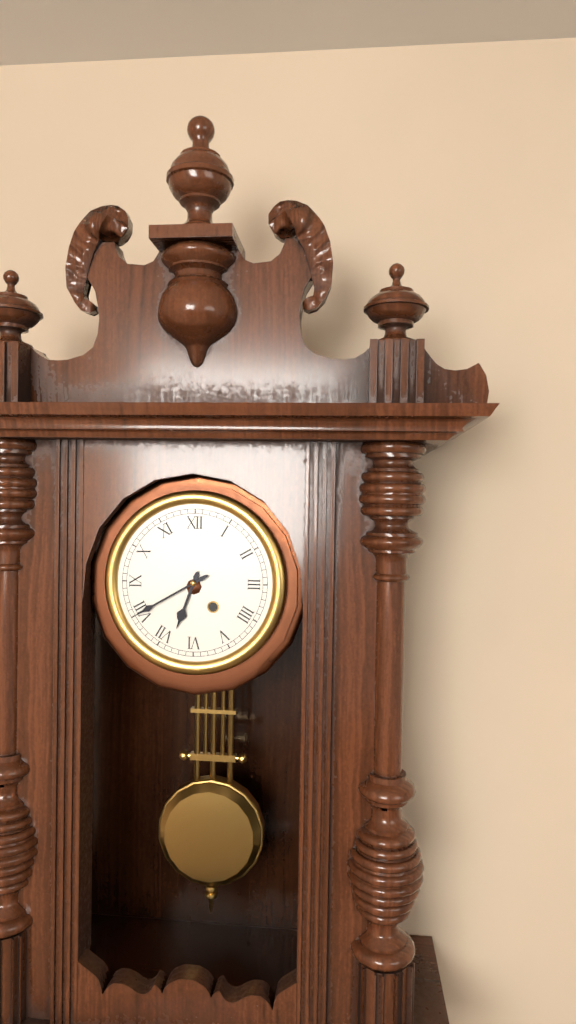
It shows 6:40
